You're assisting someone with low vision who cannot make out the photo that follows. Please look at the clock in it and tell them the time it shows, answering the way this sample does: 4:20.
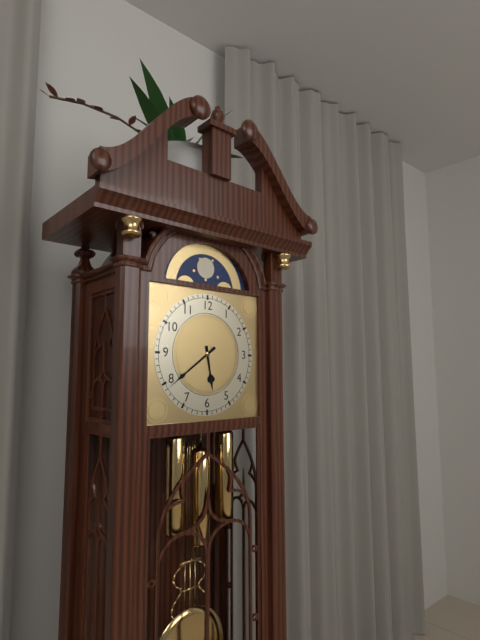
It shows 5:39
